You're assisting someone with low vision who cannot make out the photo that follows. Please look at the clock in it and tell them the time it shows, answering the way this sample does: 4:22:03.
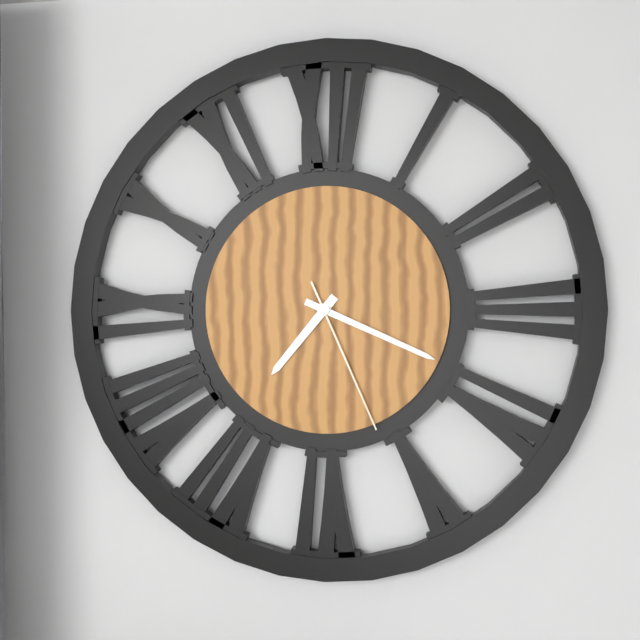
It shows 7:19:26
